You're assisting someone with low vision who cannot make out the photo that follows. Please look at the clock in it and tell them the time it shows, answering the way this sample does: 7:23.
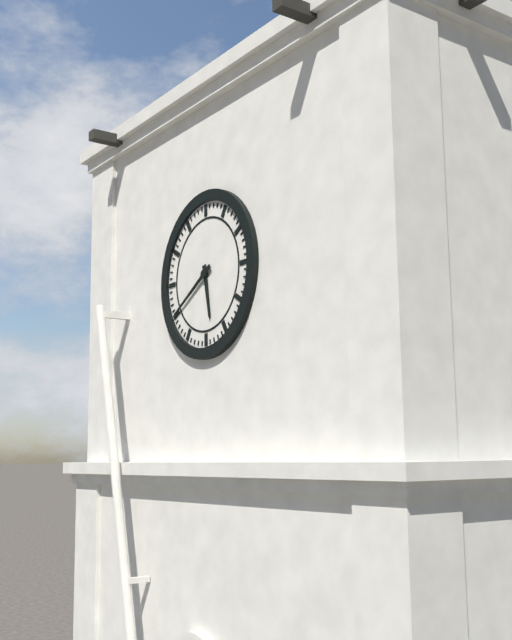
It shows 5:40
